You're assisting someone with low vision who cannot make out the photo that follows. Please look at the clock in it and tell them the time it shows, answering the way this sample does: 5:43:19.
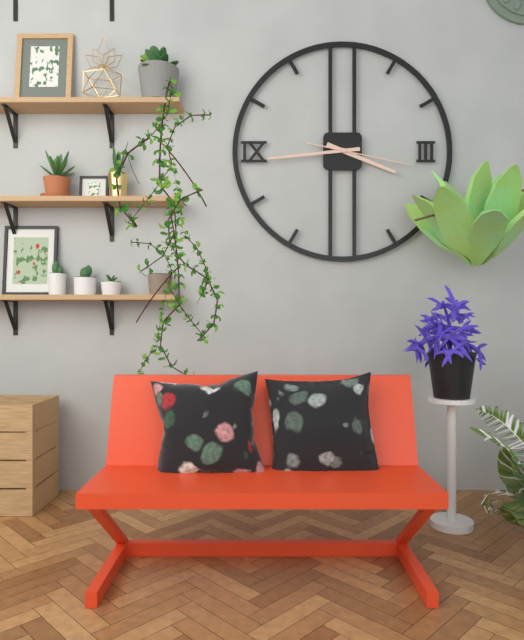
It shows 3:44:17
